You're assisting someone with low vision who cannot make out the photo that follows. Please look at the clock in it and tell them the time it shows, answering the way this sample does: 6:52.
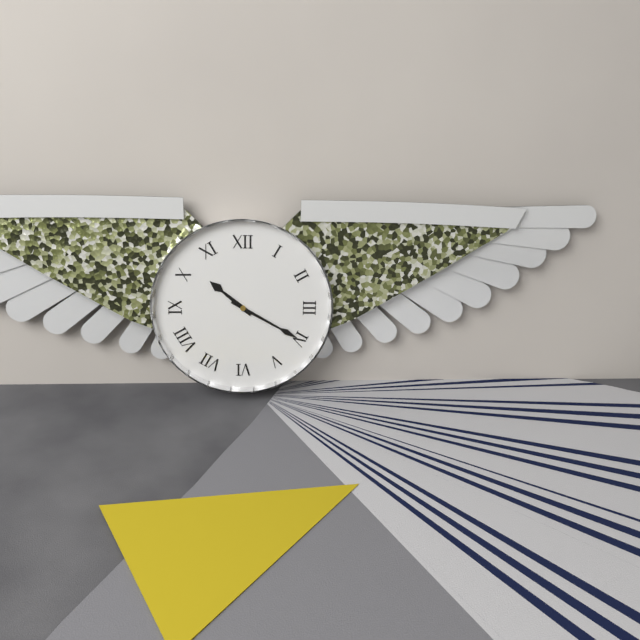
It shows 10:20
